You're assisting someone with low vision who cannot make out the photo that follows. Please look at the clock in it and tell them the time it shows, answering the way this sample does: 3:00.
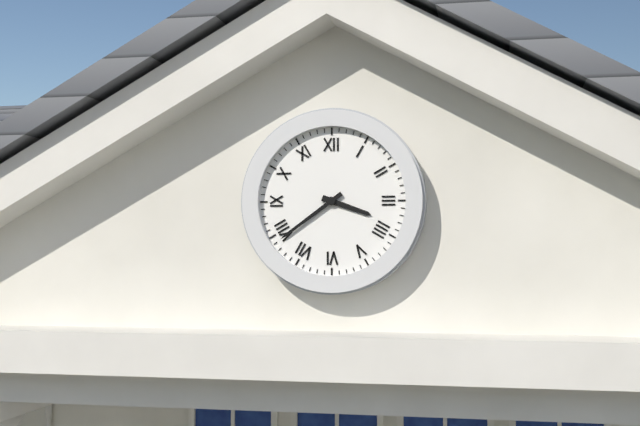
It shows 3:39
